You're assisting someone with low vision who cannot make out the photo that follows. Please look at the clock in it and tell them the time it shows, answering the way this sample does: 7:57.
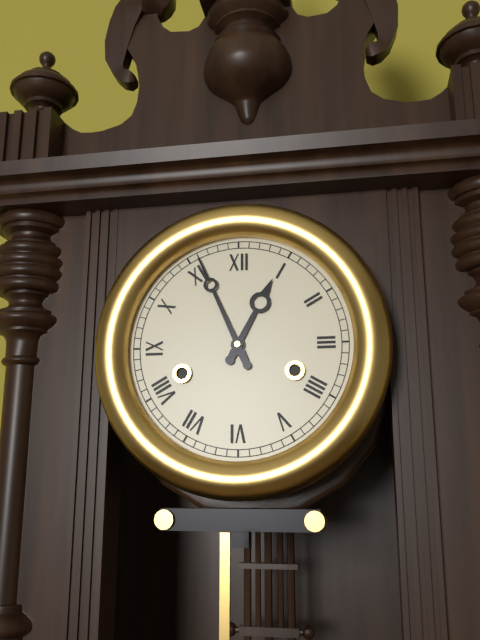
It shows 12:56
